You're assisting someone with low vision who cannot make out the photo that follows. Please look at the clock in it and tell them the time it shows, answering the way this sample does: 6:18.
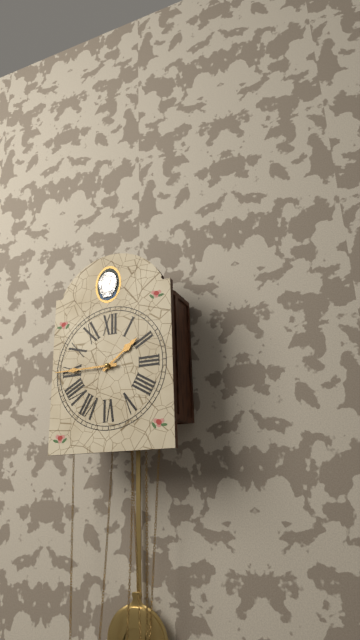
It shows 1:45
